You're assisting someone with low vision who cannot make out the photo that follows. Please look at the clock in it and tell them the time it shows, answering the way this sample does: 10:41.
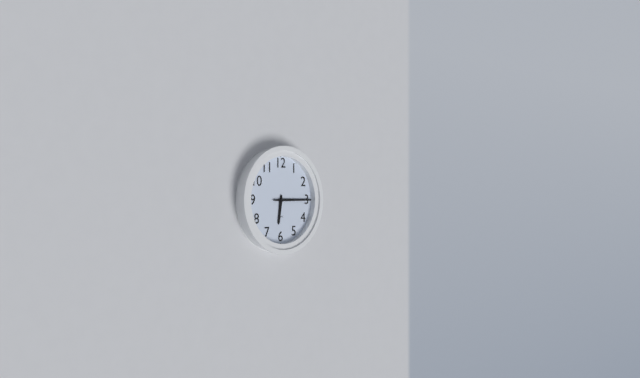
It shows 6:15
